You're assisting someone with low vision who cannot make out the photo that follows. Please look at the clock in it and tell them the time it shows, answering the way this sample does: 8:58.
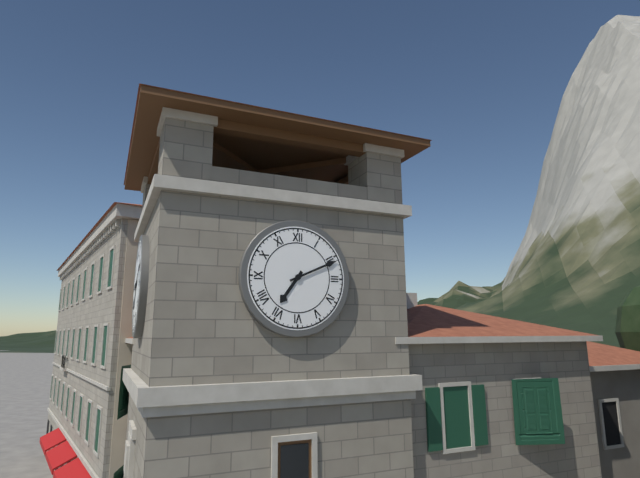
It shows 7:11
